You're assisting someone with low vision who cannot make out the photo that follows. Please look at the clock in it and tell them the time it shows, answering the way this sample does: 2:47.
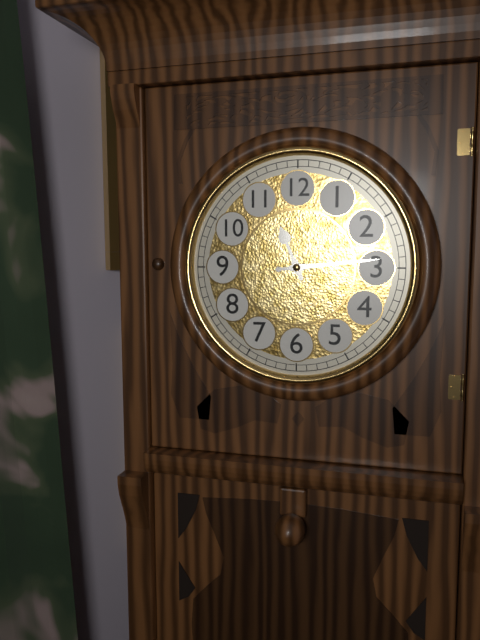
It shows 11:14
